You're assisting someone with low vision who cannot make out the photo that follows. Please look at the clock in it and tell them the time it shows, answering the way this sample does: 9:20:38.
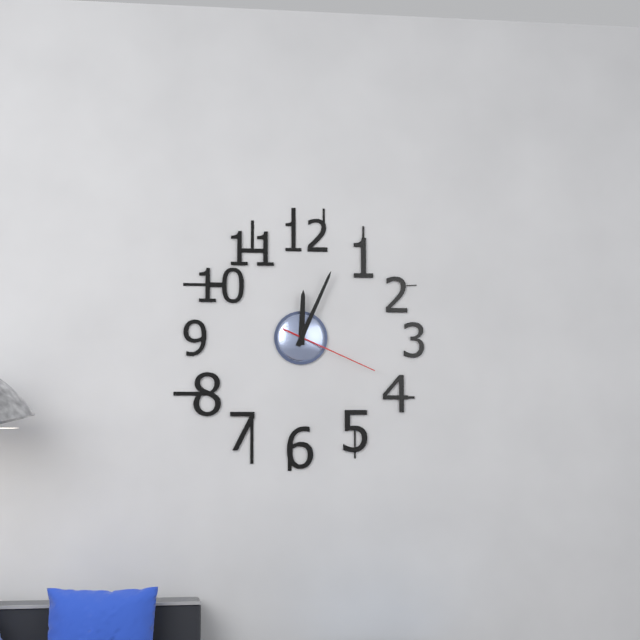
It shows 12:04:19
